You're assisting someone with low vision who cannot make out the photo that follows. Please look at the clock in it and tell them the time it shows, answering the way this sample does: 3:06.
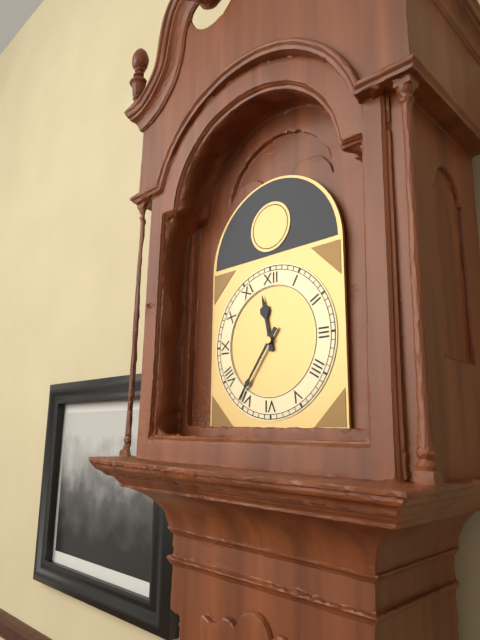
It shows 11:36
